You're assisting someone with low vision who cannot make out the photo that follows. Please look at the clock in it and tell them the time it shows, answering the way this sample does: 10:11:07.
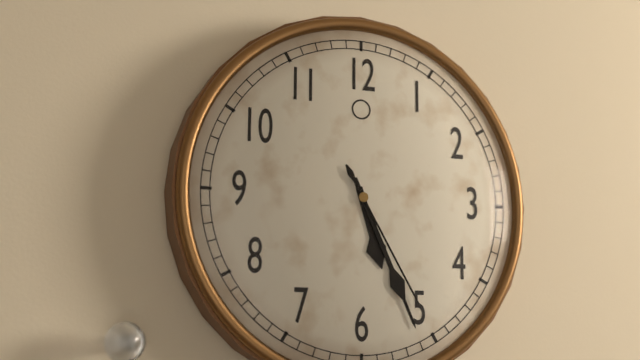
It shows 5:26:25
